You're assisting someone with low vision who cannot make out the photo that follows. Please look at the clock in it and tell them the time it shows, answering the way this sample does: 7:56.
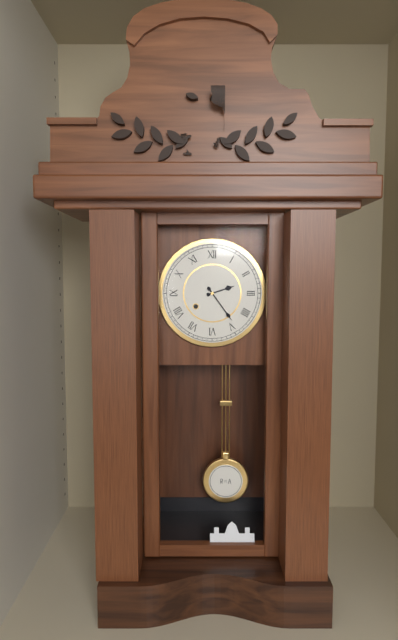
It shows 2:24
